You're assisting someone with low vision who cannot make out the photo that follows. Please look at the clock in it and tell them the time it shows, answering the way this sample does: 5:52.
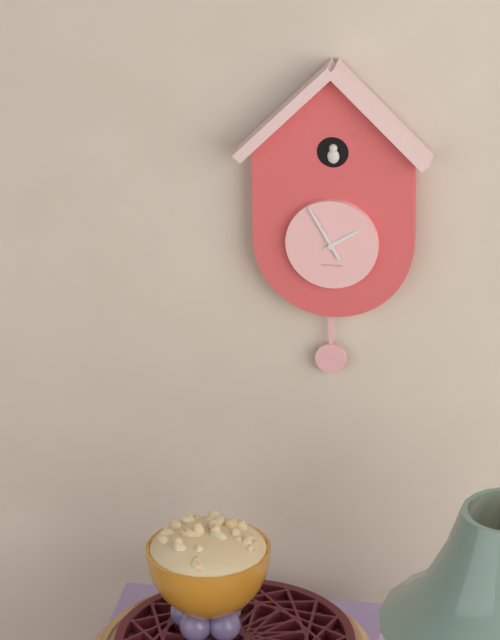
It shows 1:55
